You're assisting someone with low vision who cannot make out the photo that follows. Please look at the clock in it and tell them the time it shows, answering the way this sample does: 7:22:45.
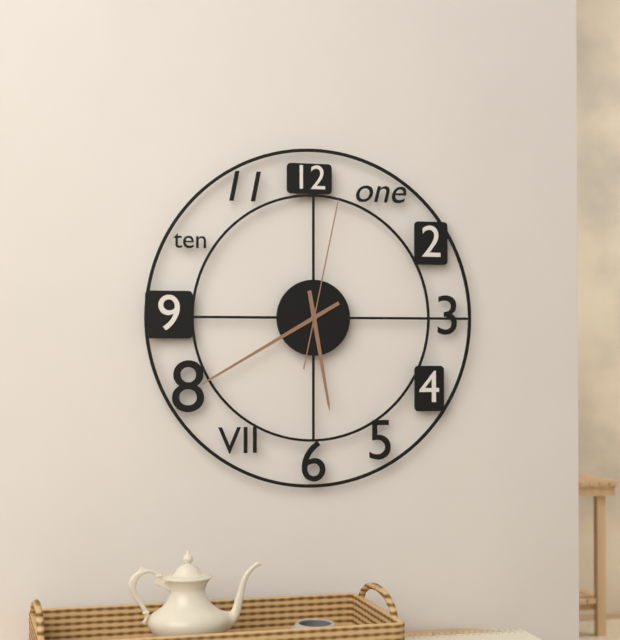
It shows 5:40:02
